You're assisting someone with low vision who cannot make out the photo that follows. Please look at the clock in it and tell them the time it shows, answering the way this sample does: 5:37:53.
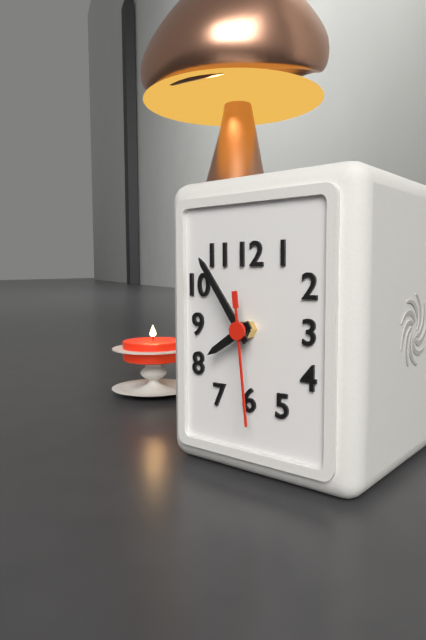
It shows 7:54:29
